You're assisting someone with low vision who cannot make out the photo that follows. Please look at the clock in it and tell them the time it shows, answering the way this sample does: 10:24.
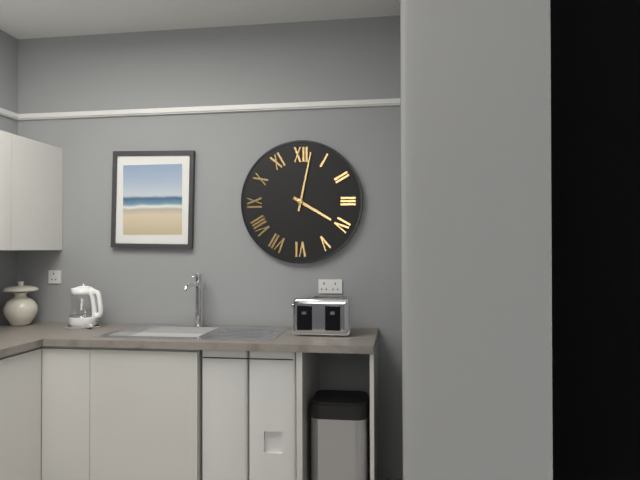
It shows 4:02
